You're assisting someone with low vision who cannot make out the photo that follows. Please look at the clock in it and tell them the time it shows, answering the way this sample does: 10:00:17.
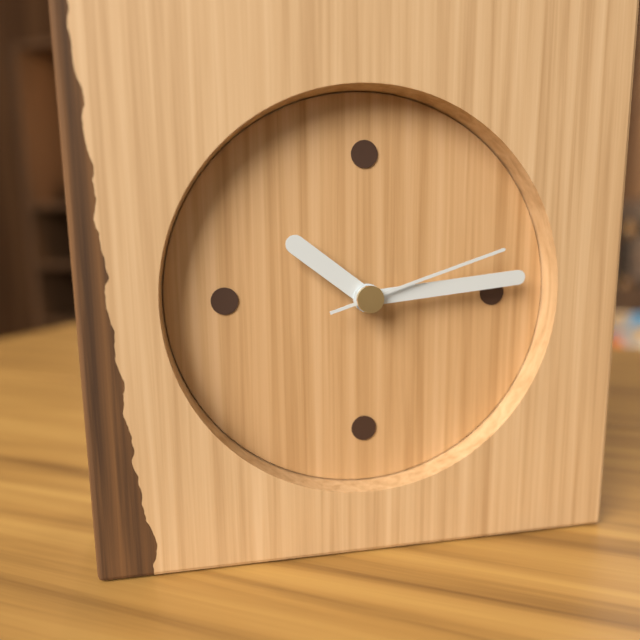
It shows 10:14:12
